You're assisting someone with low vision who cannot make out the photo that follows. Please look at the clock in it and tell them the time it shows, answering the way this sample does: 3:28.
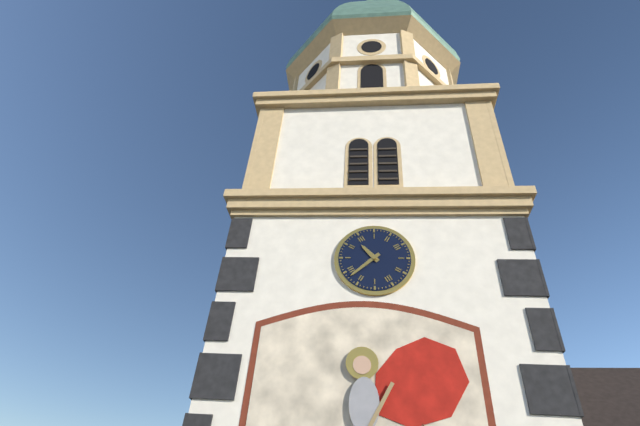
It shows 10:38
